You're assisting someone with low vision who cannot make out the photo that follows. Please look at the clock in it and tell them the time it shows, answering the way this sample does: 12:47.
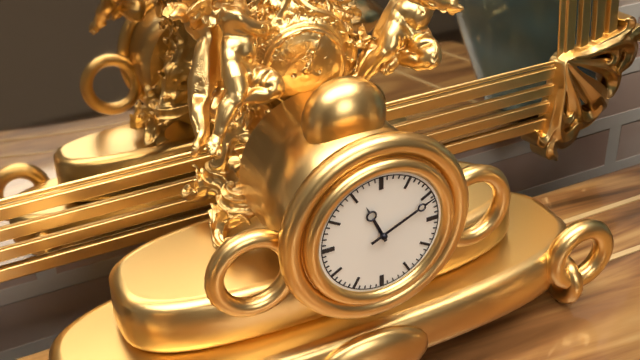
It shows 11:11
